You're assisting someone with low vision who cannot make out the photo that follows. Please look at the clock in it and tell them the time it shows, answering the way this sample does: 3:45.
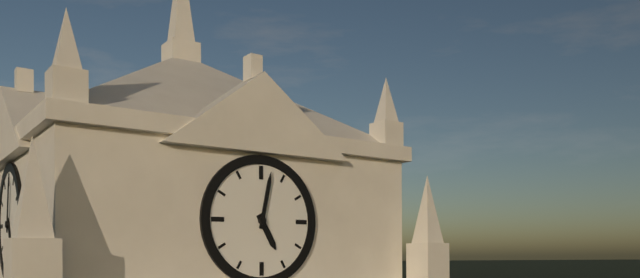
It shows 5:02
